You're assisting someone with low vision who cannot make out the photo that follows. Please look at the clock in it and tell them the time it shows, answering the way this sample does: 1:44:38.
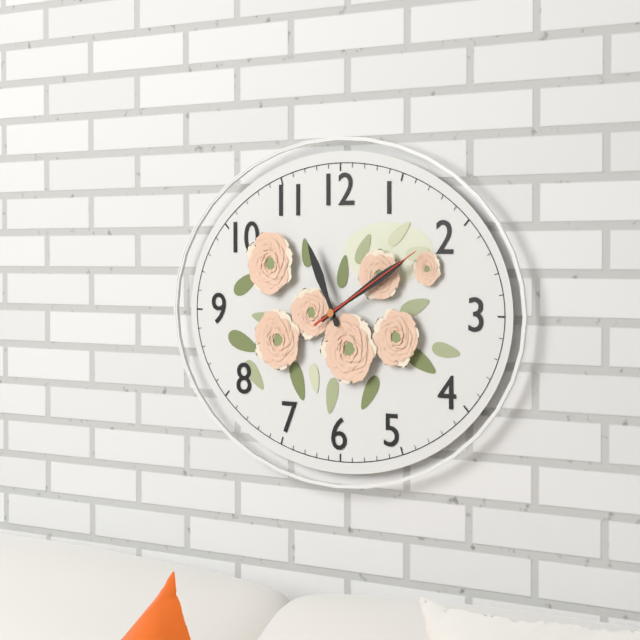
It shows 11:10:10
